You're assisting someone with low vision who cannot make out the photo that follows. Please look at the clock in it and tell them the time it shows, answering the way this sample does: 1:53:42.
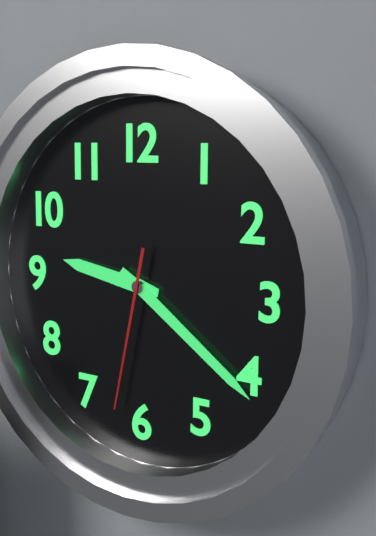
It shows 9:21:32
